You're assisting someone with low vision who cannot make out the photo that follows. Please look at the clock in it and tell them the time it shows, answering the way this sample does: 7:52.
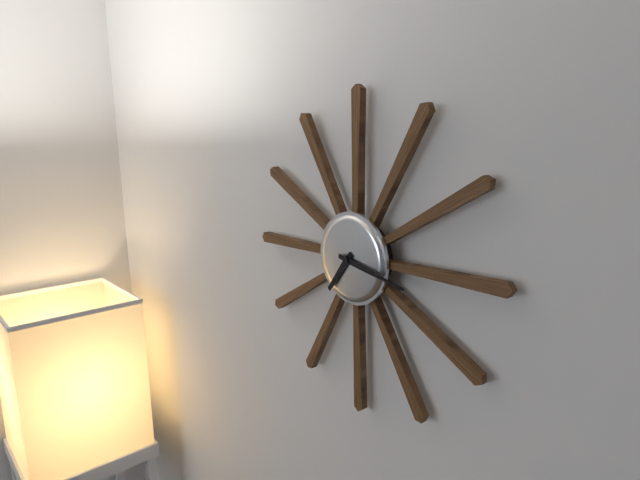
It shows 7:17
